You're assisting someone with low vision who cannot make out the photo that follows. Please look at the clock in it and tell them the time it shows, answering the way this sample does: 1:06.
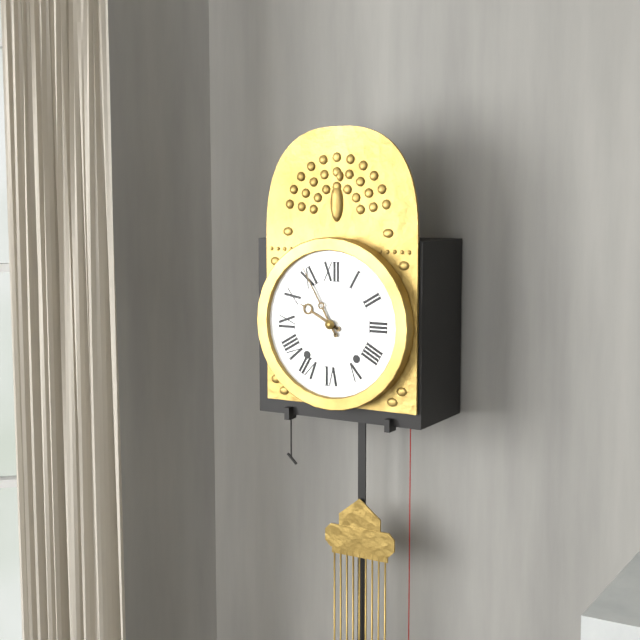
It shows 9:55
